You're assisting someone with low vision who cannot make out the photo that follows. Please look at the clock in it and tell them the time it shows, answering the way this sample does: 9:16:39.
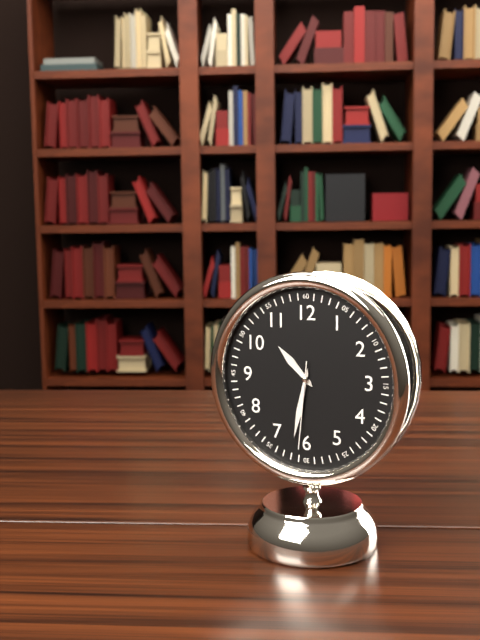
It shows 10:32:31
